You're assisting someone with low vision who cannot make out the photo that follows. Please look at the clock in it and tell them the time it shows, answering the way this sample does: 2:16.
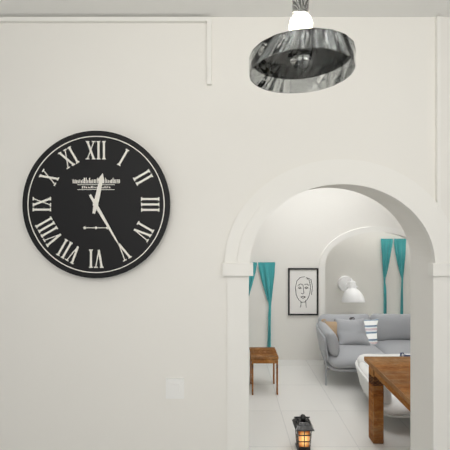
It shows 12:25
